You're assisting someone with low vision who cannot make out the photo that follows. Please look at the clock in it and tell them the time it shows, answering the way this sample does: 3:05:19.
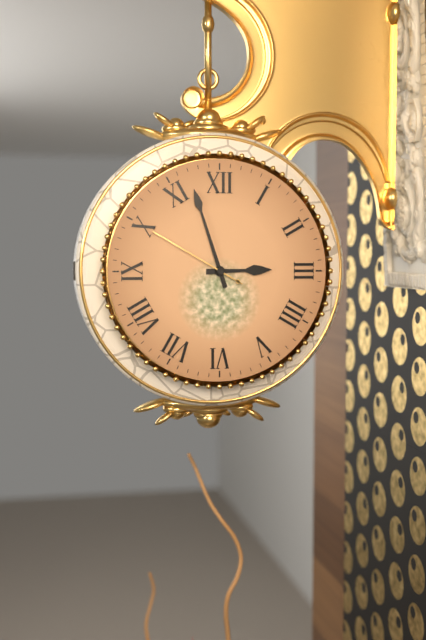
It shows 2:57:50
